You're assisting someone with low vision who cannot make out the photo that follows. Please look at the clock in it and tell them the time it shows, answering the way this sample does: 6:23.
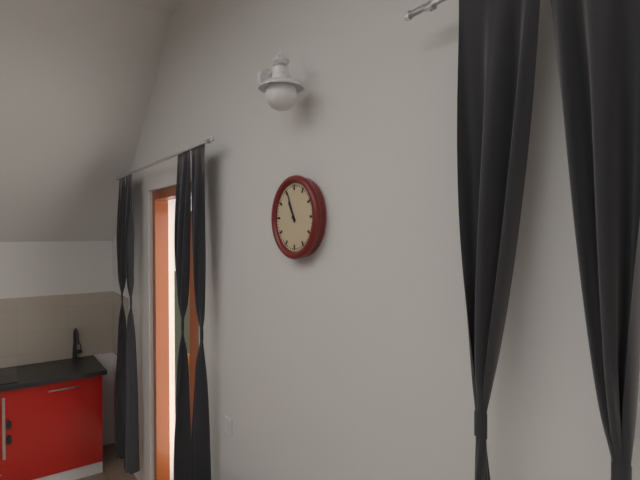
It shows 10:56
